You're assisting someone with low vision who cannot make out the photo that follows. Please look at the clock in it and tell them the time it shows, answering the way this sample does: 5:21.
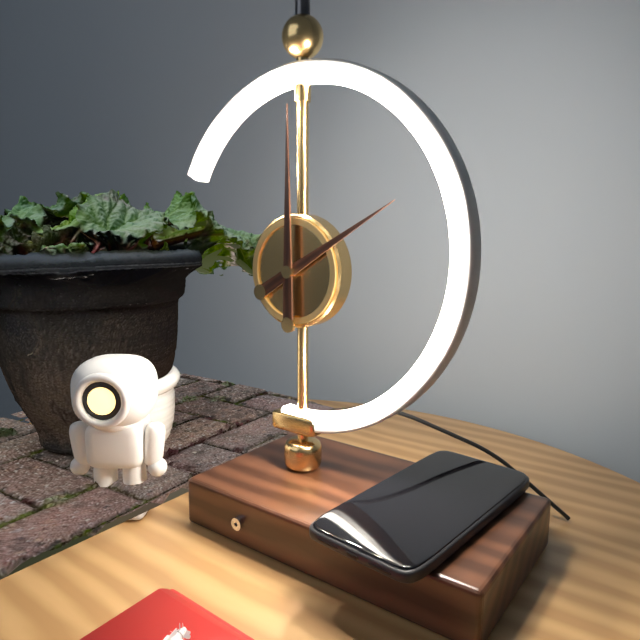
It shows 2:00
